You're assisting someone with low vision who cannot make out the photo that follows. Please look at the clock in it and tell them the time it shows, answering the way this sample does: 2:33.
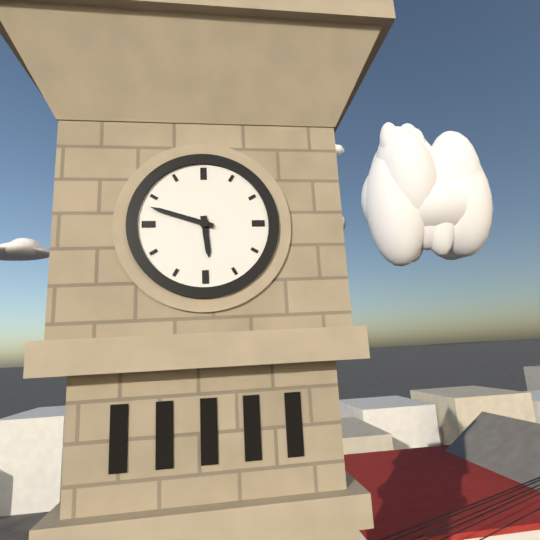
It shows 5:48
